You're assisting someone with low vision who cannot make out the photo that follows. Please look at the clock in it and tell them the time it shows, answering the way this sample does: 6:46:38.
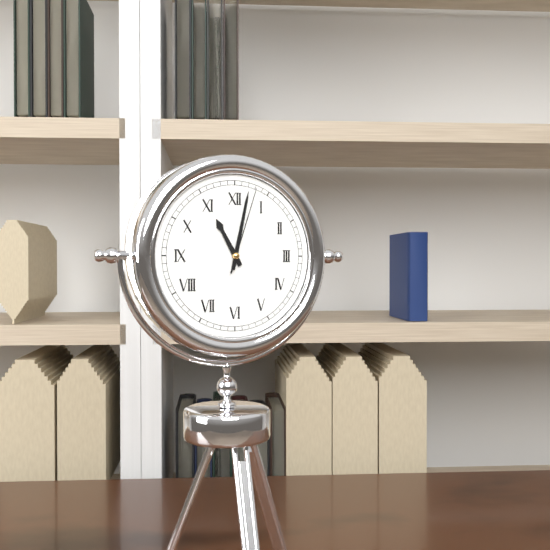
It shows 11:02:03
